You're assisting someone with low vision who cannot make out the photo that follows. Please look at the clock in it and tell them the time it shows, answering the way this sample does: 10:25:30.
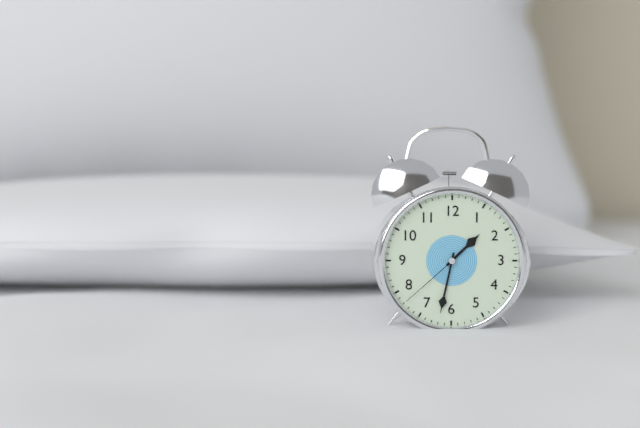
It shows 1:32:38
